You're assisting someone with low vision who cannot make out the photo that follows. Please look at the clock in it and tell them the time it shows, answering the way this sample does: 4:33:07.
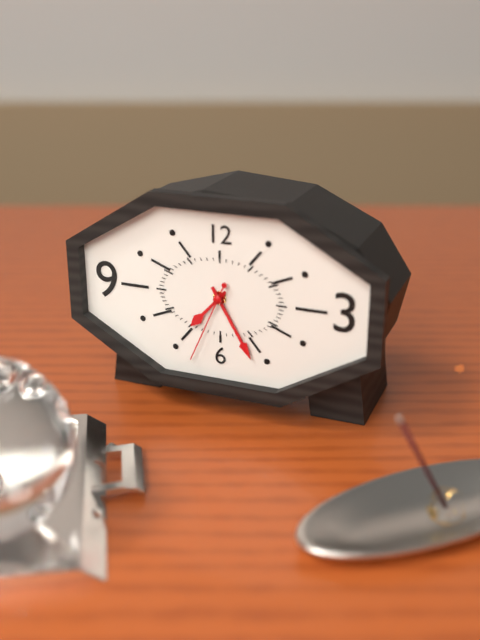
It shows 7:25:34
